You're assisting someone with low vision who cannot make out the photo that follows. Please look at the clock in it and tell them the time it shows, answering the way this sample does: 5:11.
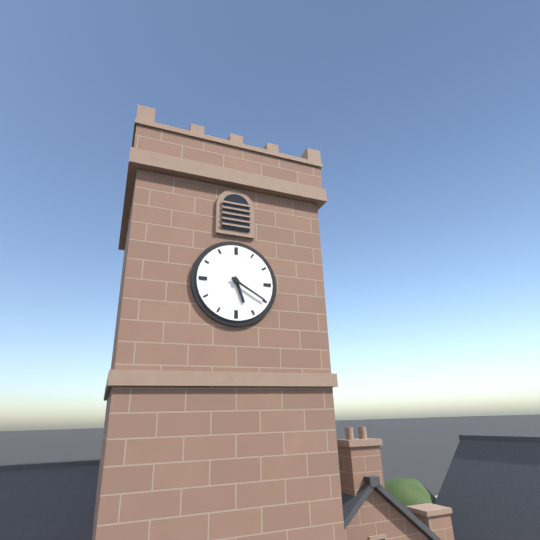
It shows 5:20
